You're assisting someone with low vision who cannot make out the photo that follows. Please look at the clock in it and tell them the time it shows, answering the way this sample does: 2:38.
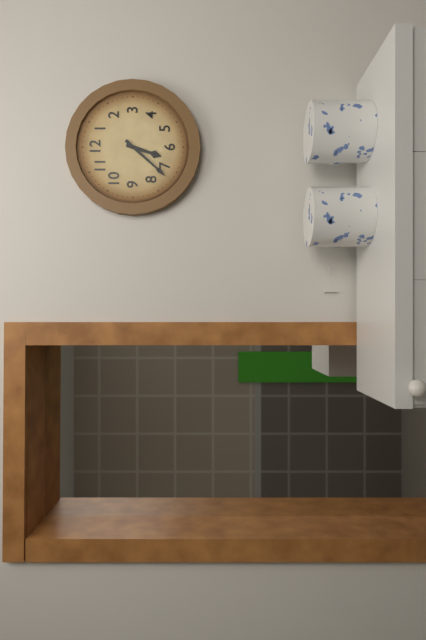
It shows 6:37
